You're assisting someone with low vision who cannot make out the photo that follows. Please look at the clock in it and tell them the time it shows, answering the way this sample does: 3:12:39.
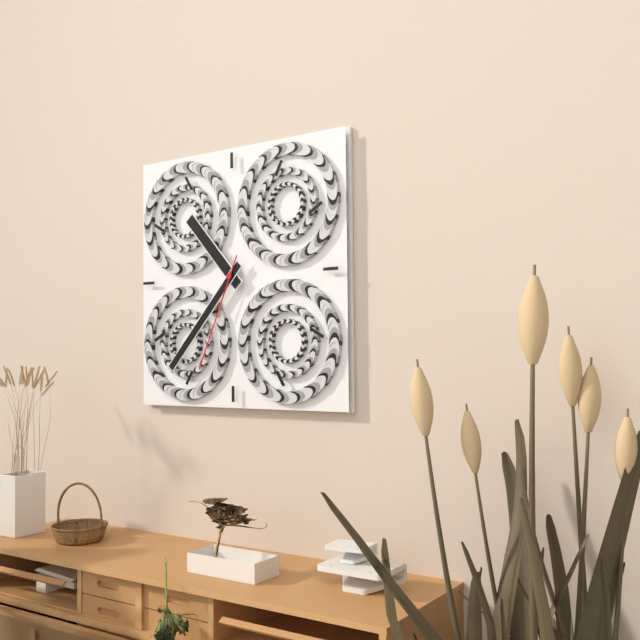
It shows 10:37:34
